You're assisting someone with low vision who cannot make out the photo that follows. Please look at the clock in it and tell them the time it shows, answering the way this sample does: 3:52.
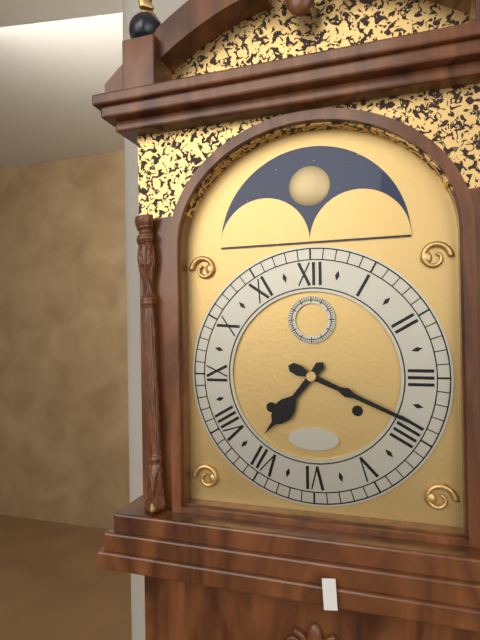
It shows 7:19
